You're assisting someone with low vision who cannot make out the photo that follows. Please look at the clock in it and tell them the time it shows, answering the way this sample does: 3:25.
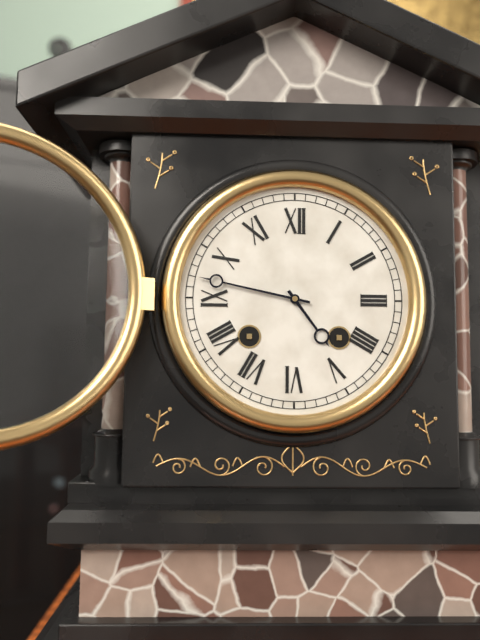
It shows 4:47
